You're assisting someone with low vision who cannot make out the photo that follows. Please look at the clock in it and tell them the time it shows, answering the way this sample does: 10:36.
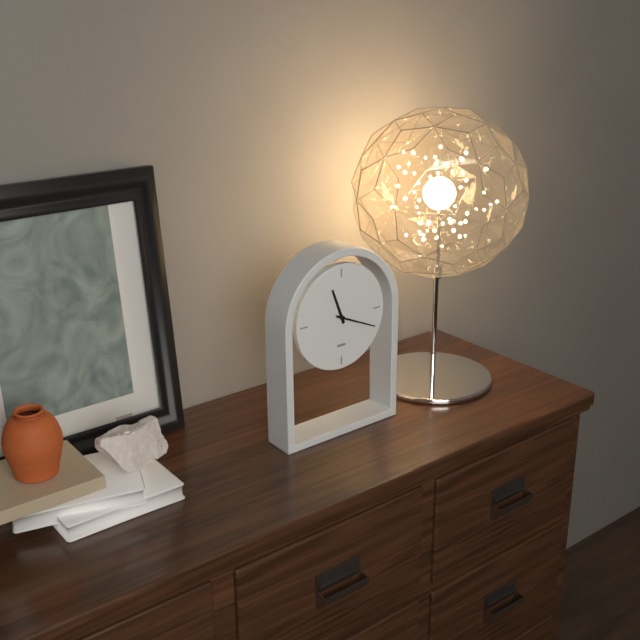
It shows 11:19
